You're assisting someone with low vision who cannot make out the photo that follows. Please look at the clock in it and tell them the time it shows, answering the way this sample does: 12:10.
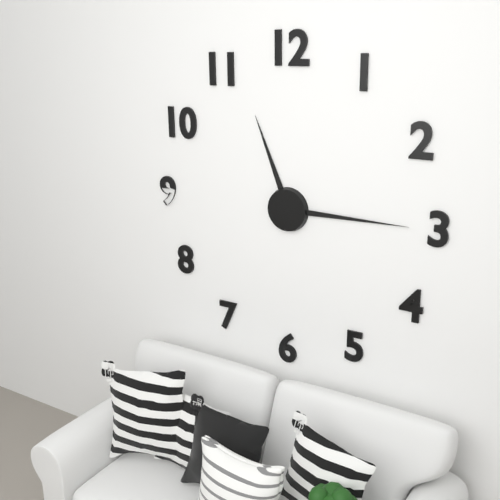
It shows 11:15
